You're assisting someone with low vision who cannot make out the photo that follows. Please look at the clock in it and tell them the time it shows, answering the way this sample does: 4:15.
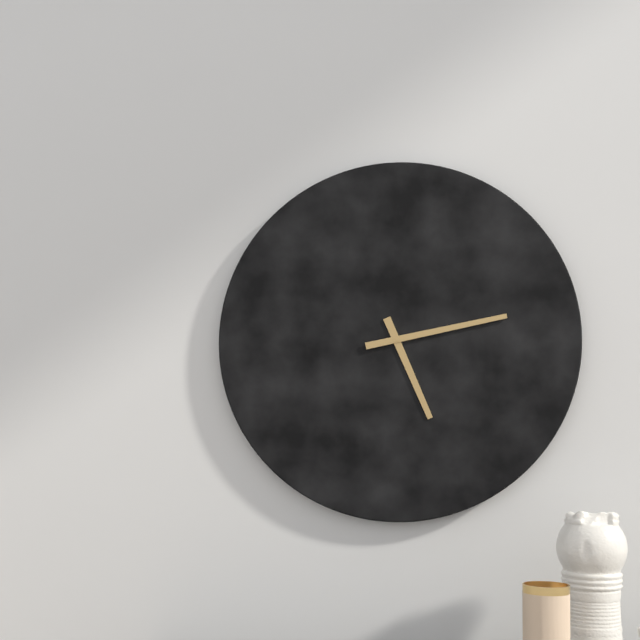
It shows 5:13
